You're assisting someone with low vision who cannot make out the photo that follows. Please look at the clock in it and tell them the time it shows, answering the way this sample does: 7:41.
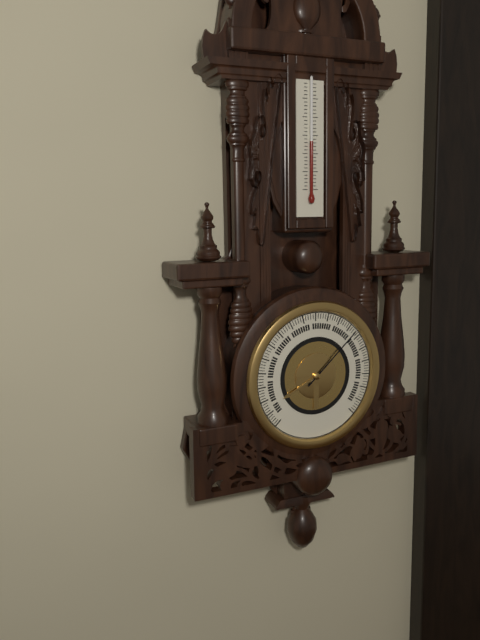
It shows 8:08
